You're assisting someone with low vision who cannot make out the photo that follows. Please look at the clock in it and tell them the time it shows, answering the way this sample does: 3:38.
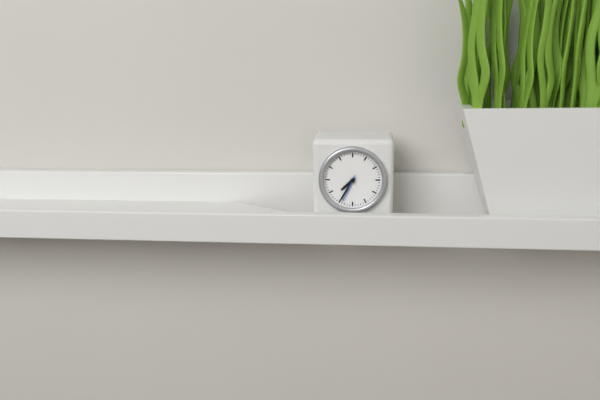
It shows 7:35
